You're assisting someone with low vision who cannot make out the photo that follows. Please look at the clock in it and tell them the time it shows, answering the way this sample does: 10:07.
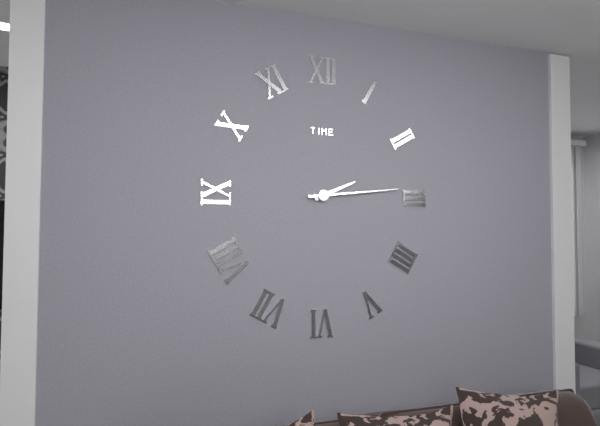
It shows 2:14
